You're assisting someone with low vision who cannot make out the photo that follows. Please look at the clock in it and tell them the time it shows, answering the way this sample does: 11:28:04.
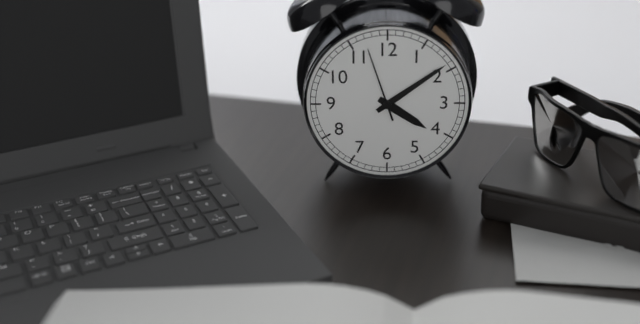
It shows 4:09:57
